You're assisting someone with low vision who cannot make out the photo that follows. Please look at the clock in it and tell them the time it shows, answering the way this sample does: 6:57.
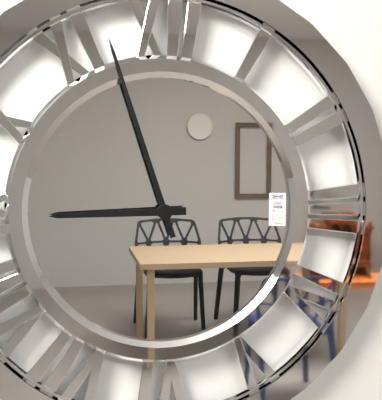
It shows 8:57
